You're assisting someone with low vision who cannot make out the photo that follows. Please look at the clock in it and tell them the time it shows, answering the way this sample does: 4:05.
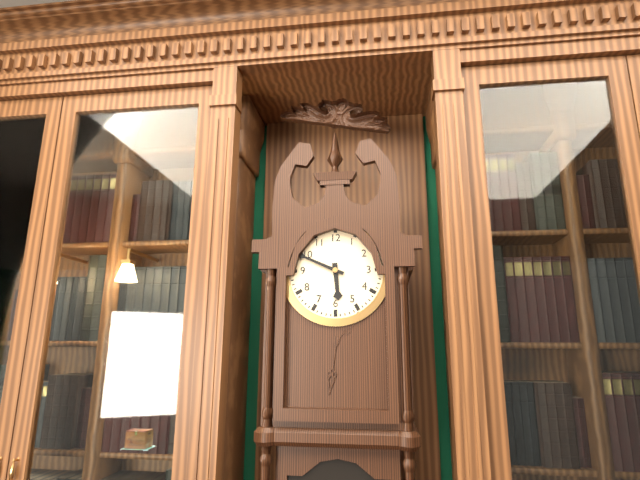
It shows 5:49
